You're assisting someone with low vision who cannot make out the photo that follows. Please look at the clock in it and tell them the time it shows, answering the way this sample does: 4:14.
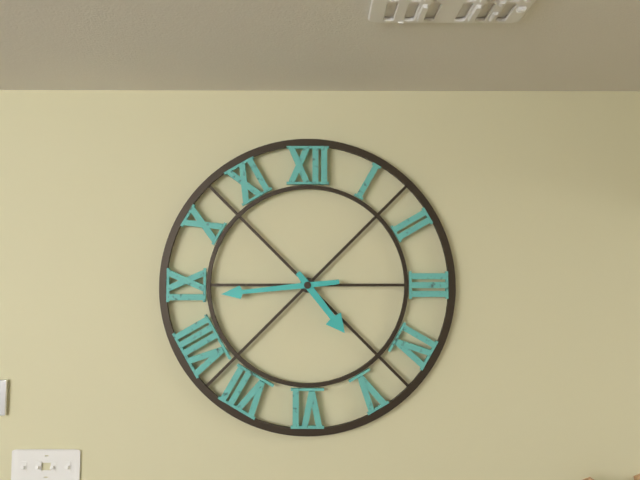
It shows 4:44
